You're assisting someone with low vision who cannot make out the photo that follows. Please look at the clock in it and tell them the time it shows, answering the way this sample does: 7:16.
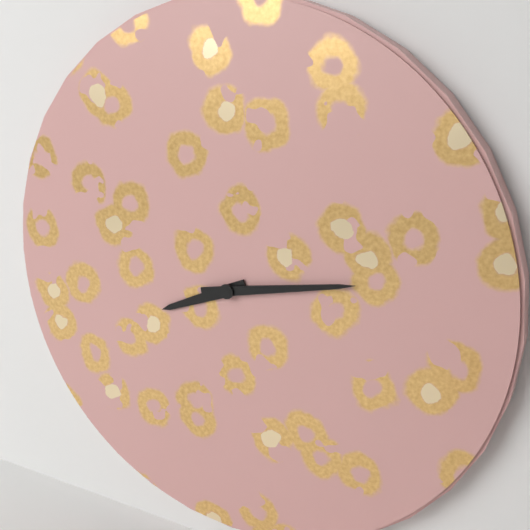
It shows 8:13
